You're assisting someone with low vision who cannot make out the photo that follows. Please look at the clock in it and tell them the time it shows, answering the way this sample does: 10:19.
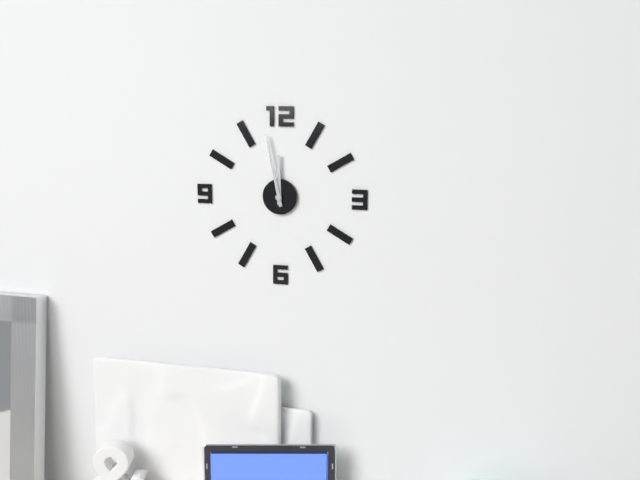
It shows 11:58
